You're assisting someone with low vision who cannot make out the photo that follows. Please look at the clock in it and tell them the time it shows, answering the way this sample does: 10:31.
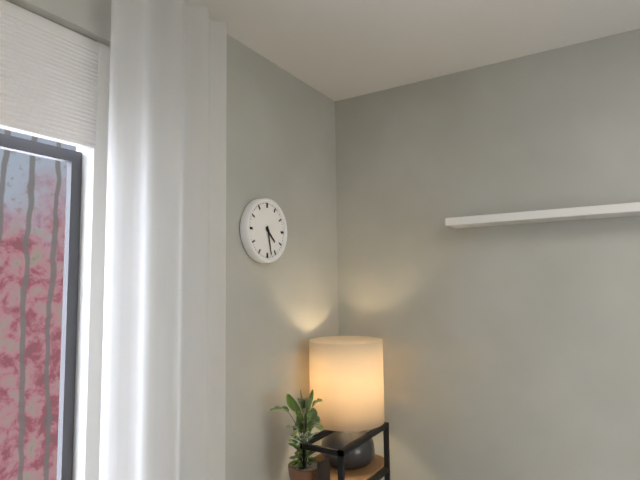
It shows 4:28
